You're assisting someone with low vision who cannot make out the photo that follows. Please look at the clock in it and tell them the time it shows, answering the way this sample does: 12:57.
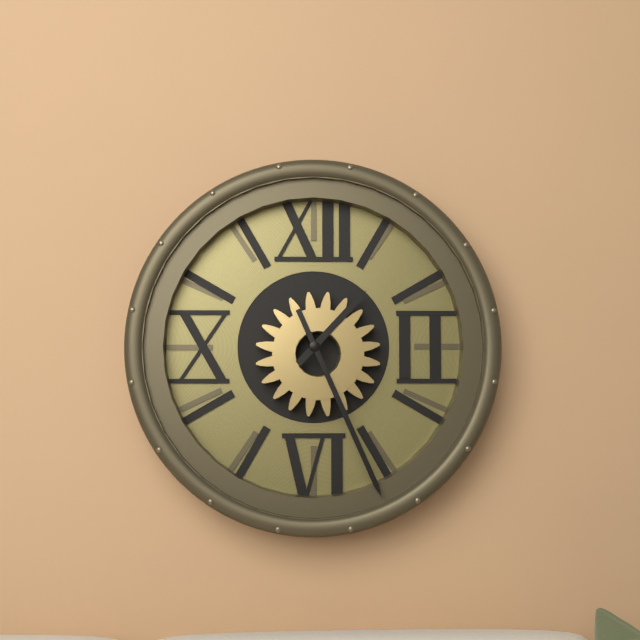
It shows 1:26
